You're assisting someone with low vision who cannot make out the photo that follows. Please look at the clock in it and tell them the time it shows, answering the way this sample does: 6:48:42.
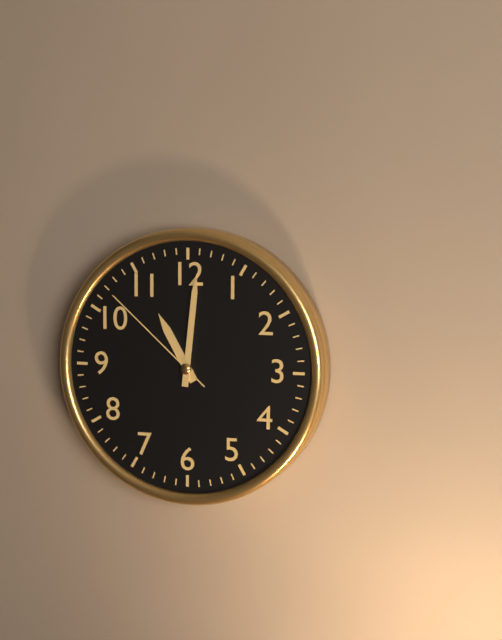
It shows 11:01:52
